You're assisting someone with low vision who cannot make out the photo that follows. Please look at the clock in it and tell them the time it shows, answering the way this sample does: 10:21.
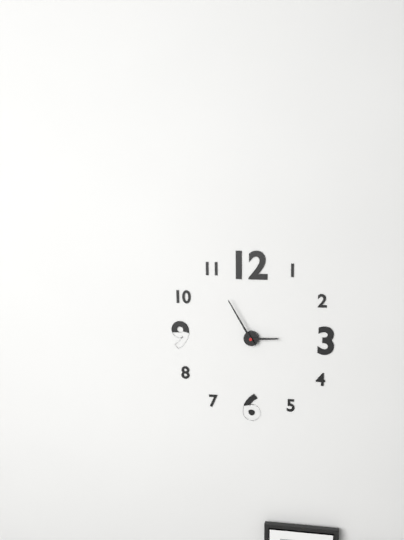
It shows 2:55
